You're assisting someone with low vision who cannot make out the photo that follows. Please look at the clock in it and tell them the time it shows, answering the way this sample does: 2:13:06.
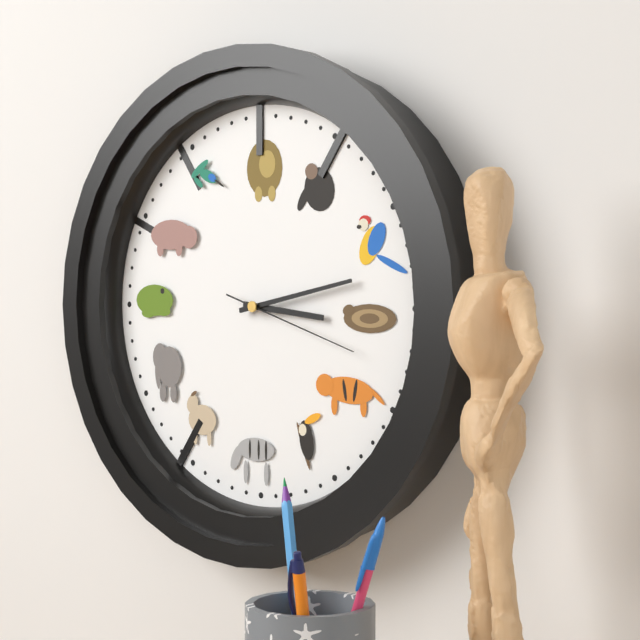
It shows 3:13:18
